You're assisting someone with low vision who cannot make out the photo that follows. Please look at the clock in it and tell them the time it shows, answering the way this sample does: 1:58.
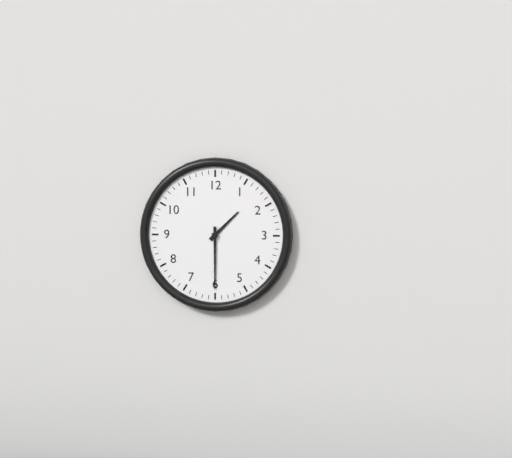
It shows 1:30
